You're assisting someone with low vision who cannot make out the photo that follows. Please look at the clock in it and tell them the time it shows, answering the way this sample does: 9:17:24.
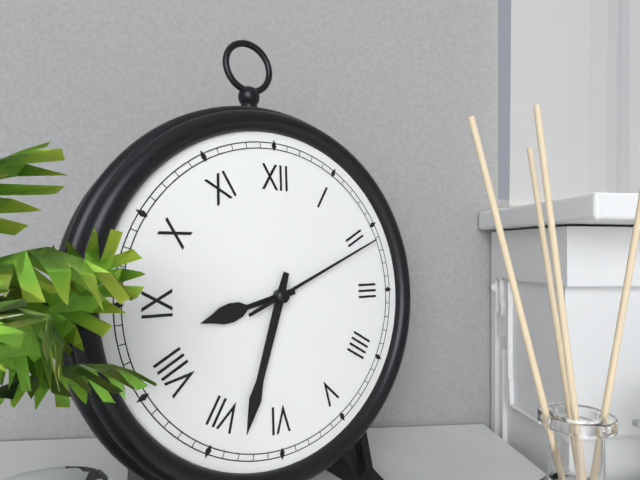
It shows 8:33:11
